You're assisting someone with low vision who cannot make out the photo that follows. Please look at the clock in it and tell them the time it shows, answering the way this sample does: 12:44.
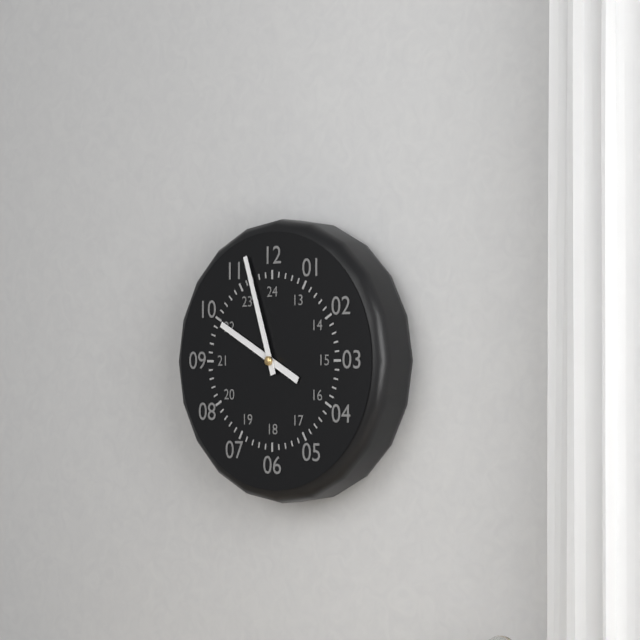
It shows 9:57
